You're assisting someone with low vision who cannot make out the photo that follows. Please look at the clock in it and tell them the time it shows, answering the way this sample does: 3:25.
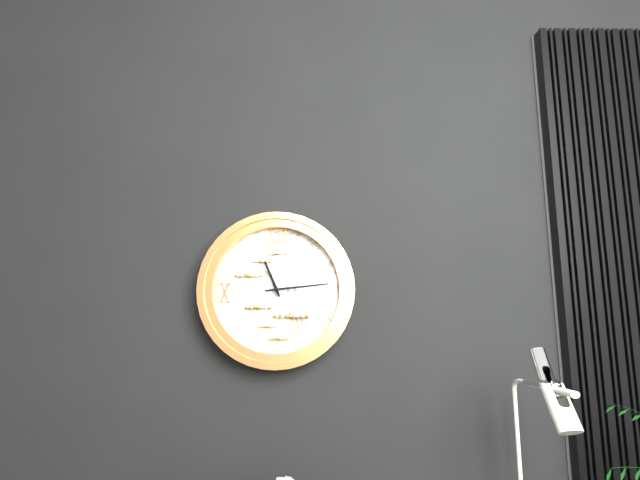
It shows 11:14
